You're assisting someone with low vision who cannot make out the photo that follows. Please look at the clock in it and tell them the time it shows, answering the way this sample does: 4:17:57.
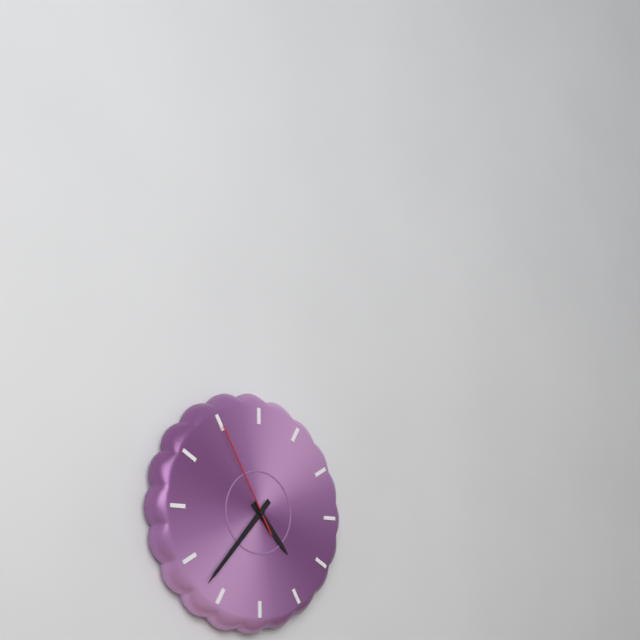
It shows 4:37:55
